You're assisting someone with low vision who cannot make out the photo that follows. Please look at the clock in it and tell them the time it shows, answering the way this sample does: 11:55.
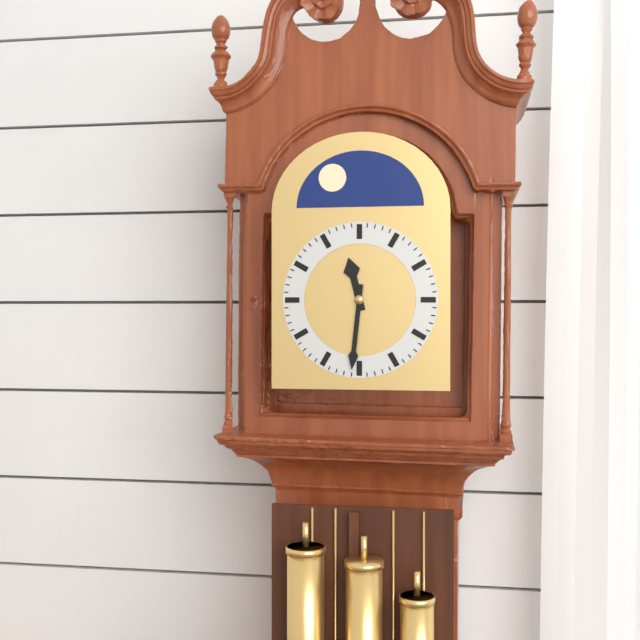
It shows 11:31
